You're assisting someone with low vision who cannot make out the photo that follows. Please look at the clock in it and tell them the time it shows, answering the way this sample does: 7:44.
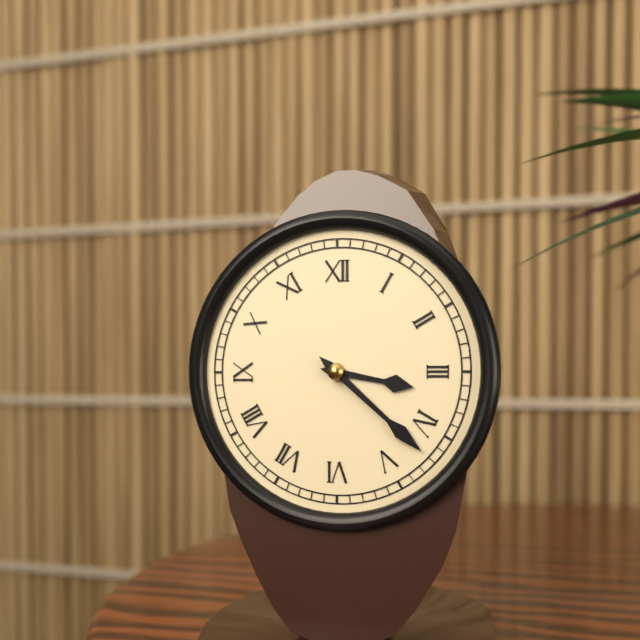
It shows 3:22
